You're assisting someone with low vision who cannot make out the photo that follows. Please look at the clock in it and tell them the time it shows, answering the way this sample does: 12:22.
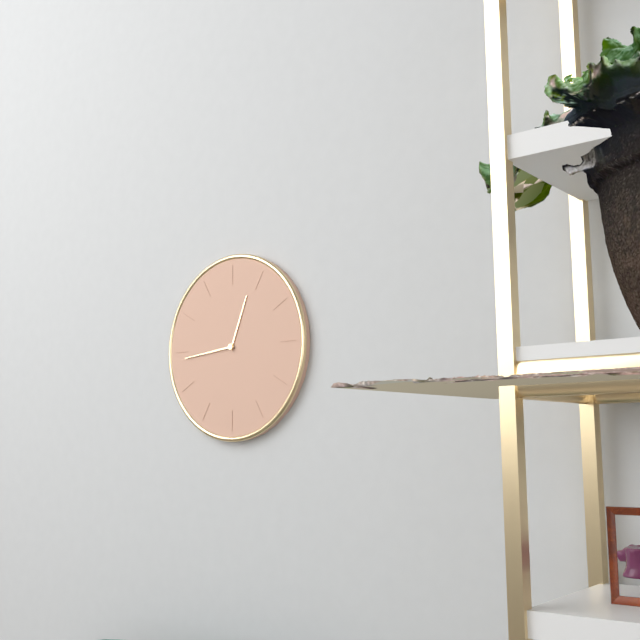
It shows 12:44
